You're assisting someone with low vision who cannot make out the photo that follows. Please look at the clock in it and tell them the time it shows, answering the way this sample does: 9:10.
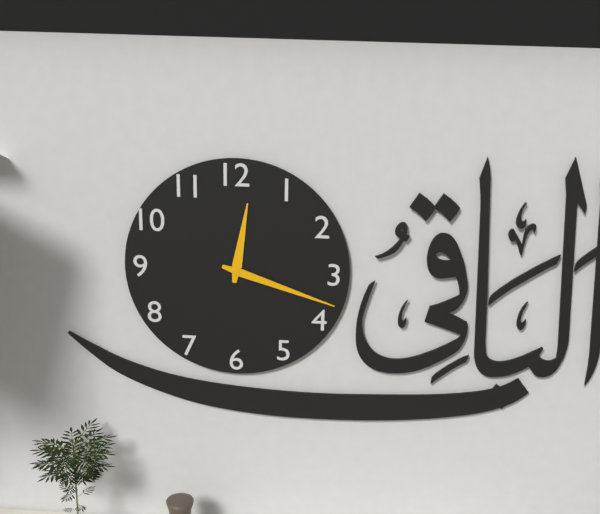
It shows 12:18
